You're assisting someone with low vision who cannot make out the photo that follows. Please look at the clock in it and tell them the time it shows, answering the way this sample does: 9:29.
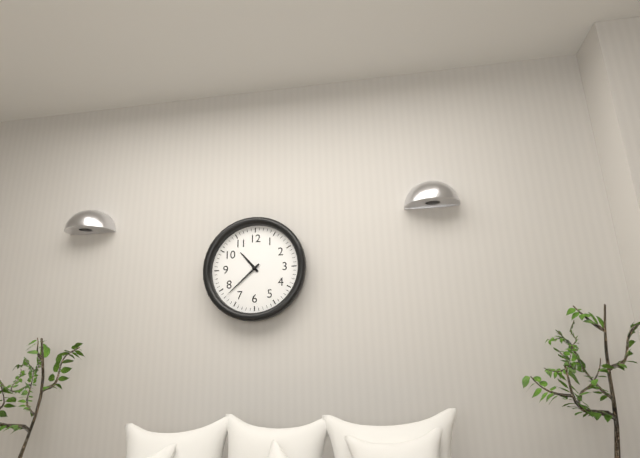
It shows 10:38
